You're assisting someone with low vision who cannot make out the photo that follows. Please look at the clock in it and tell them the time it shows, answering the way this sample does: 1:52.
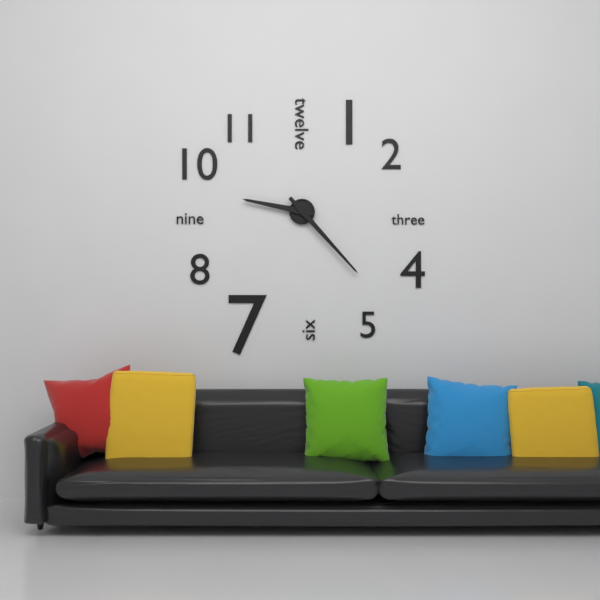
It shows 9:23
